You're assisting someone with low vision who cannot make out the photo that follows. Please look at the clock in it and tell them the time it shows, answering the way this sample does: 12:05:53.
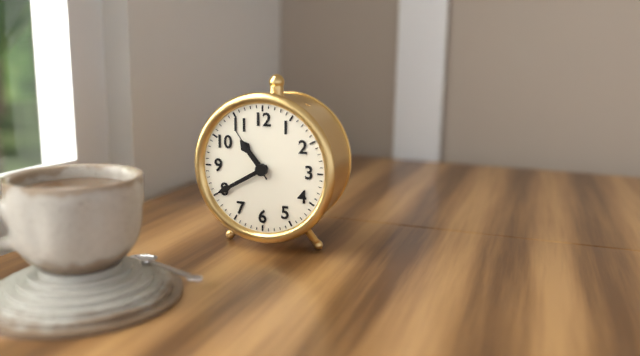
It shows 10:40:54
